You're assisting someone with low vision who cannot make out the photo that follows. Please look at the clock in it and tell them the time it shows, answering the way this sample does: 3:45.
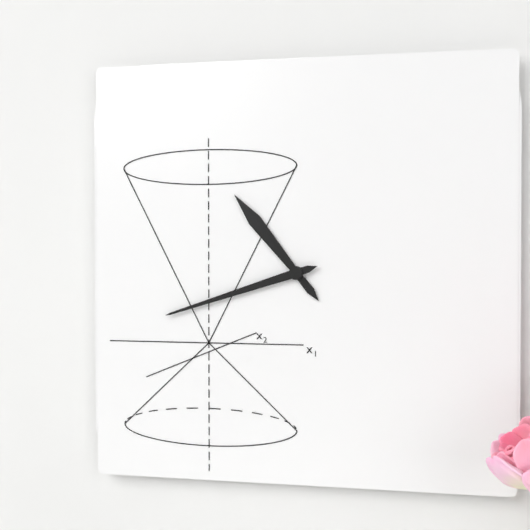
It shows 10:42
